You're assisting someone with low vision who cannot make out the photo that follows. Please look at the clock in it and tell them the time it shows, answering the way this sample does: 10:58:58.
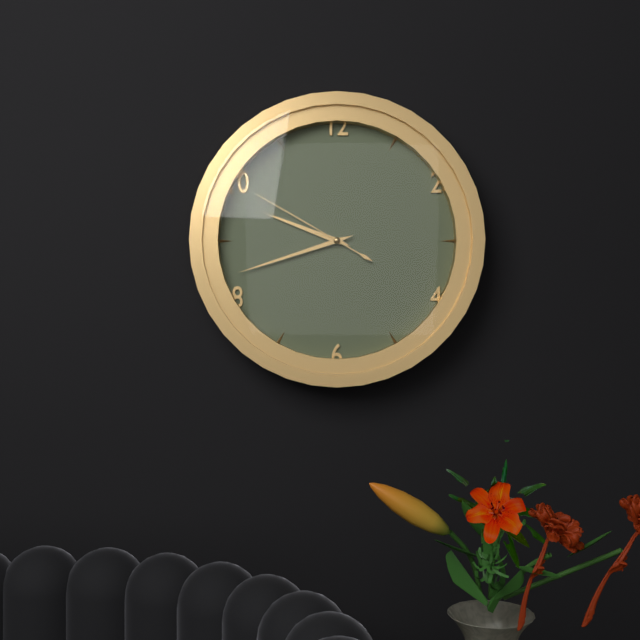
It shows 9:42:50
